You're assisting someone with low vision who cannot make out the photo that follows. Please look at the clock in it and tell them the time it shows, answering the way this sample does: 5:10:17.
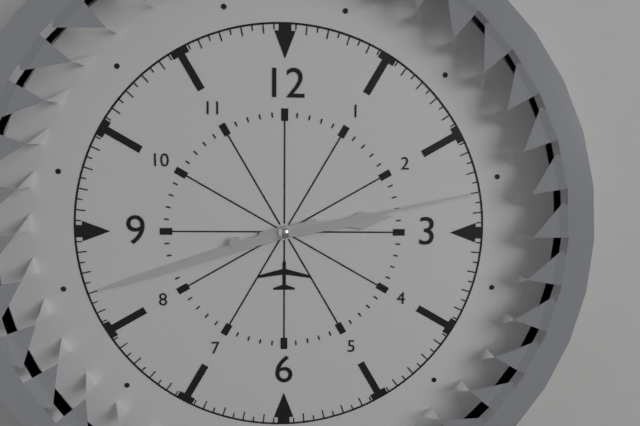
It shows 2:42:13
